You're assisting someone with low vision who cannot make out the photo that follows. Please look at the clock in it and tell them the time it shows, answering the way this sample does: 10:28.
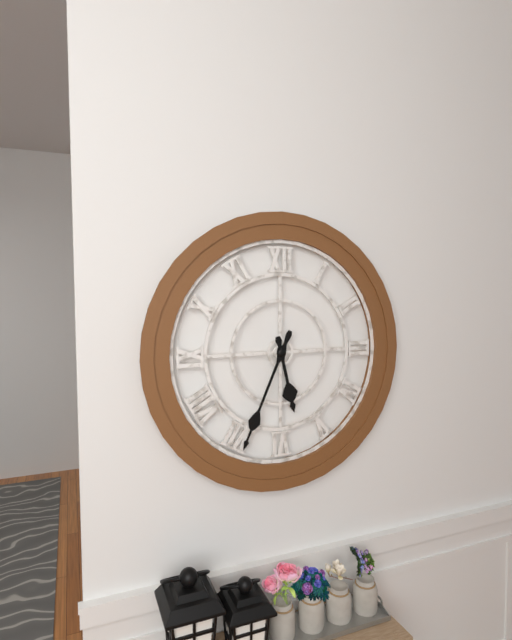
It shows 5:34
